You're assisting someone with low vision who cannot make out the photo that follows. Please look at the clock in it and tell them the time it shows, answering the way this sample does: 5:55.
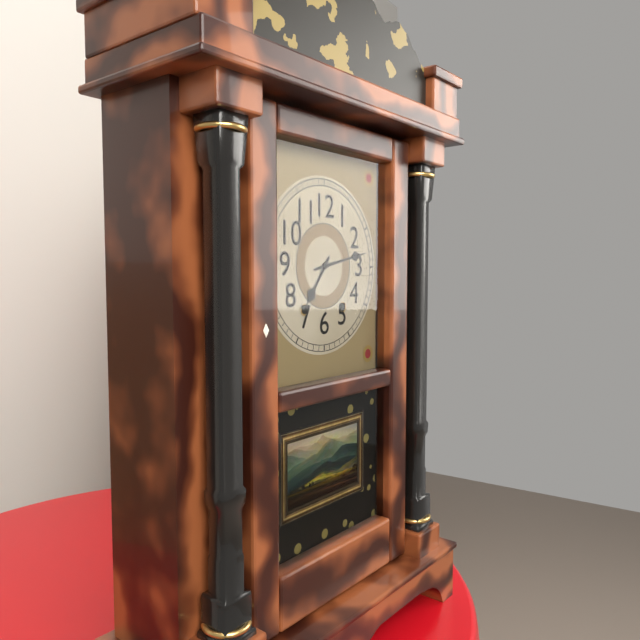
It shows 7:13
